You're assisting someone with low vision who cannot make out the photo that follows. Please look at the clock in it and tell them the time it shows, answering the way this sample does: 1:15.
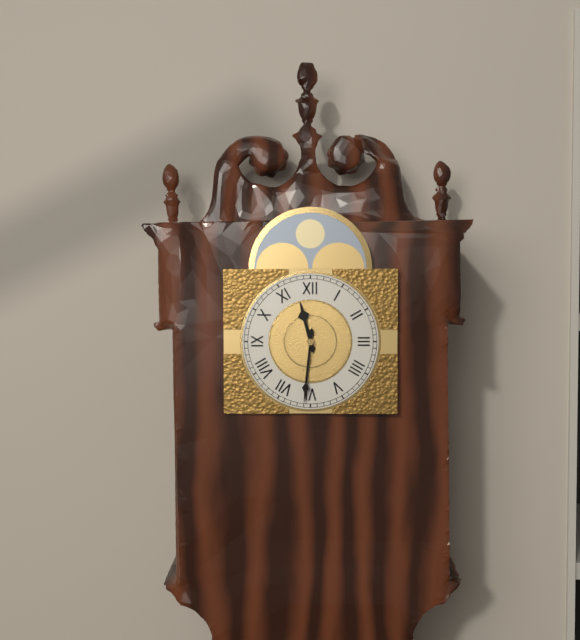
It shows 11:31
